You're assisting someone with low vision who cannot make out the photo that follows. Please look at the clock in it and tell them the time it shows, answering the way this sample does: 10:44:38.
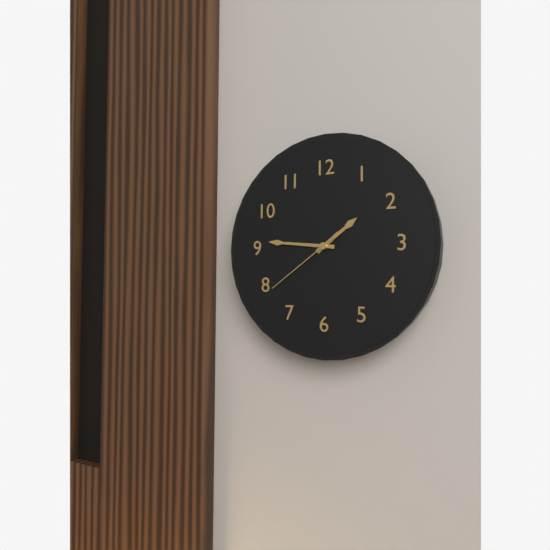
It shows 1:46:39
